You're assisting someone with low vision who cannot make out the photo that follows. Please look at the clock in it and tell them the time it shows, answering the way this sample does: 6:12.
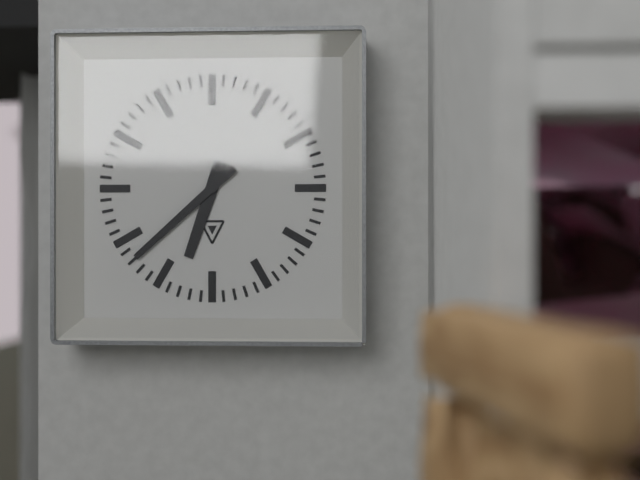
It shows 6:38
